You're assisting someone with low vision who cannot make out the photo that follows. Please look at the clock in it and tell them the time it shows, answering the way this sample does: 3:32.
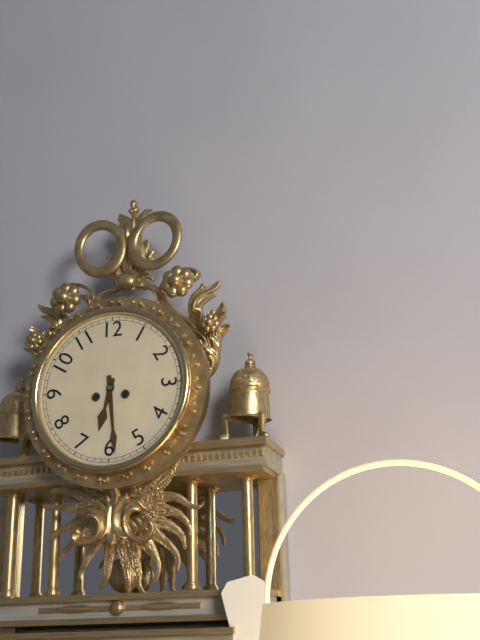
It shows 6:29
